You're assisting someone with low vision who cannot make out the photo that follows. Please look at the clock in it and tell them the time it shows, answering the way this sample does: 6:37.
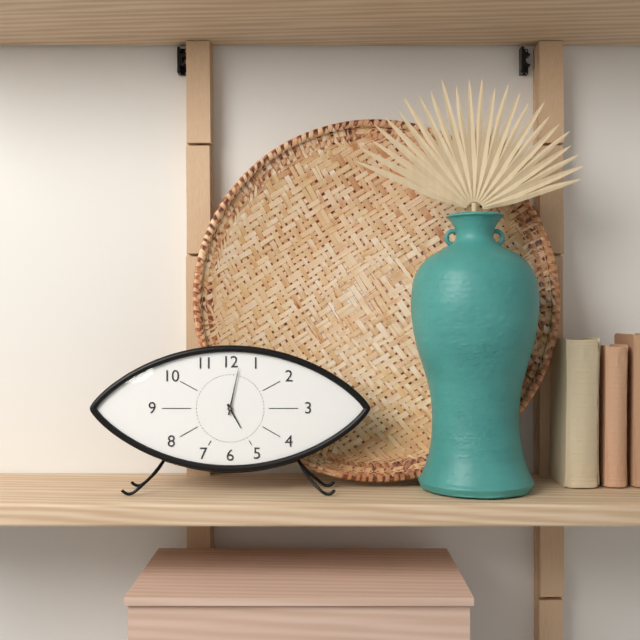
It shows 5:02
